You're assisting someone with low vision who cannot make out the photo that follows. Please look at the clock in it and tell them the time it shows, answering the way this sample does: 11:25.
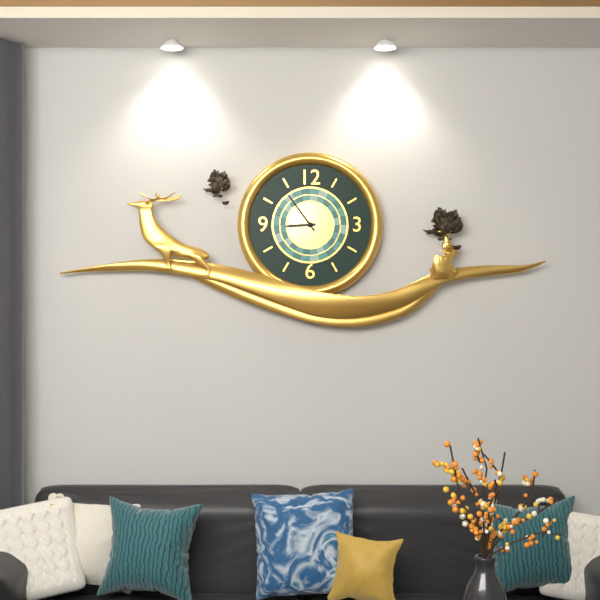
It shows 8:54
